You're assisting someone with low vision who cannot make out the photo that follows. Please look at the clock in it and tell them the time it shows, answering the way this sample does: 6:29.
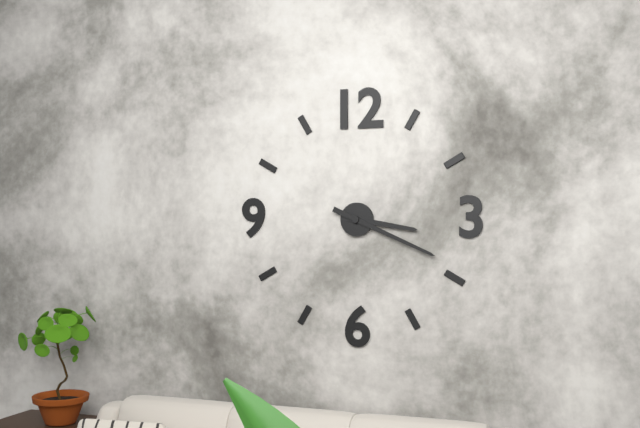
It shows 3:19
